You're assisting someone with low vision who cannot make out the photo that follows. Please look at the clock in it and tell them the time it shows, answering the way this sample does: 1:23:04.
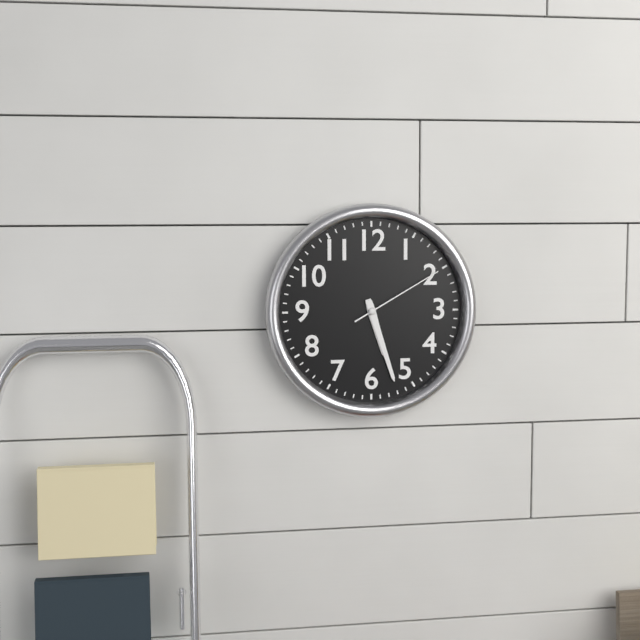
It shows 5:27:10
